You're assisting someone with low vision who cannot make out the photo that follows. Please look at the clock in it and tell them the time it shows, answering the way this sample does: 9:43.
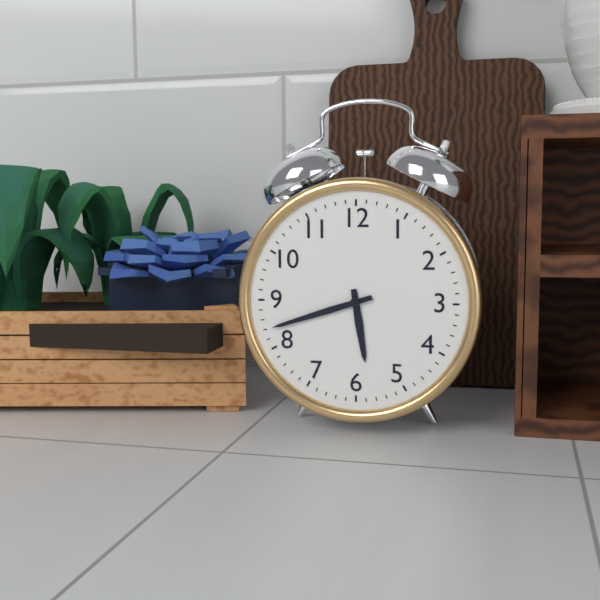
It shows 5:42
